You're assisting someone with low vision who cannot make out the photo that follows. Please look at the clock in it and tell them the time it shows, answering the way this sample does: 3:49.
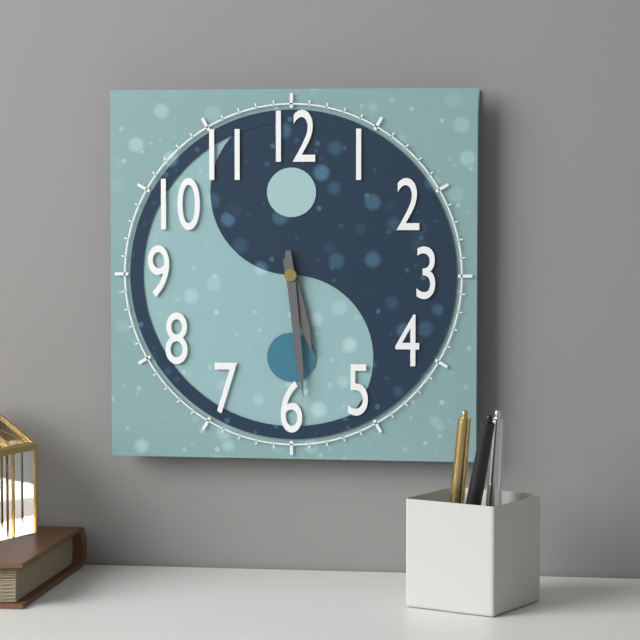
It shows 5:29
